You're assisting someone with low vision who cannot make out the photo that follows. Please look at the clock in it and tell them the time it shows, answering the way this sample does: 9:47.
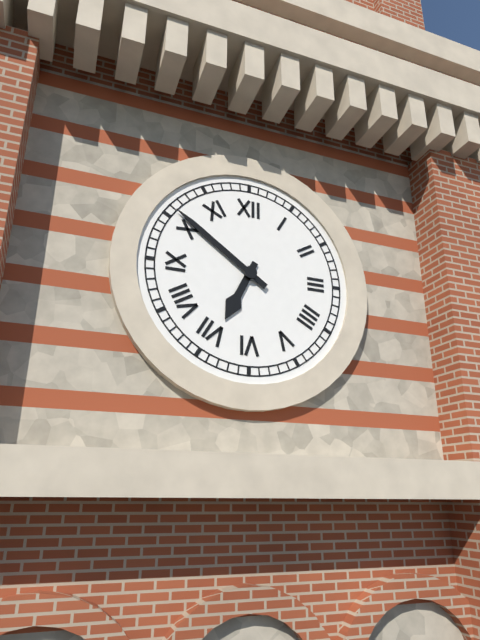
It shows 6:51
